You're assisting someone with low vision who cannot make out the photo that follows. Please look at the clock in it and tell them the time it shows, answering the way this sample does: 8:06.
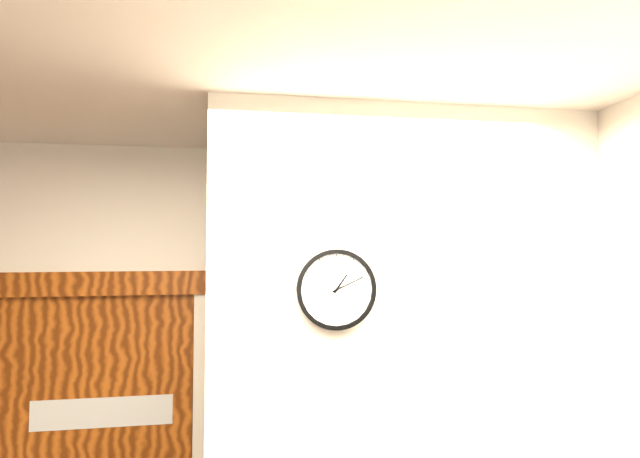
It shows 1:11
